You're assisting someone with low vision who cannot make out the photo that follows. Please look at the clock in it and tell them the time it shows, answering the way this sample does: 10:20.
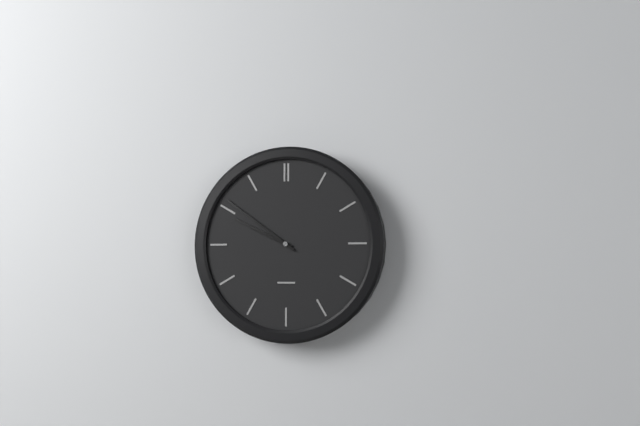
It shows 9:51
